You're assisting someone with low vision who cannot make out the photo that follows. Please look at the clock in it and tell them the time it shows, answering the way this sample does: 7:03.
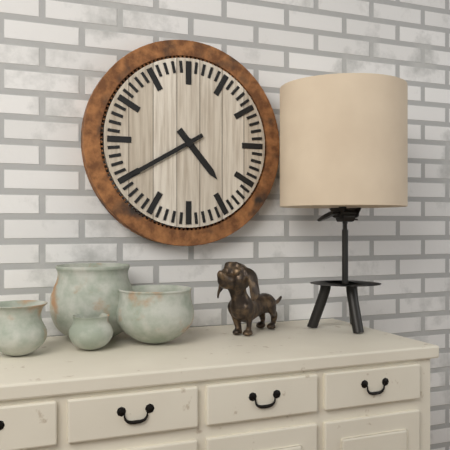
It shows 4:40
